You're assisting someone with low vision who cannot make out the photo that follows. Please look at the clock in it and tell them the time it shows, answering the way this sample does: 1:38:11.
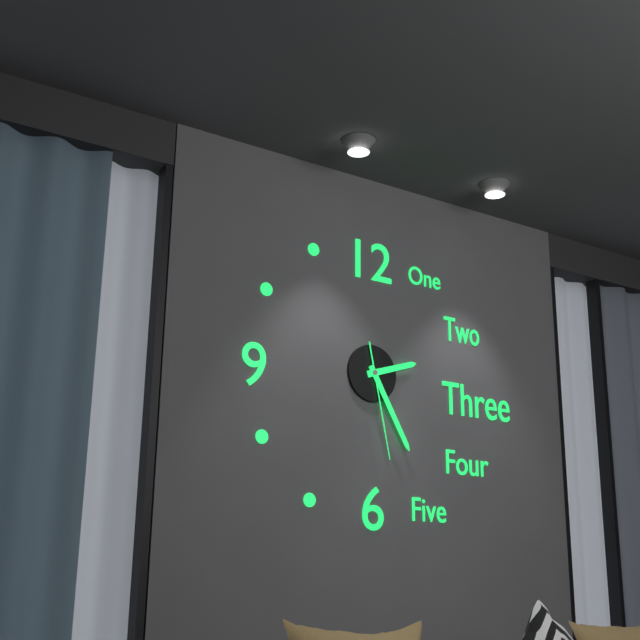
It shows 2:25:28
